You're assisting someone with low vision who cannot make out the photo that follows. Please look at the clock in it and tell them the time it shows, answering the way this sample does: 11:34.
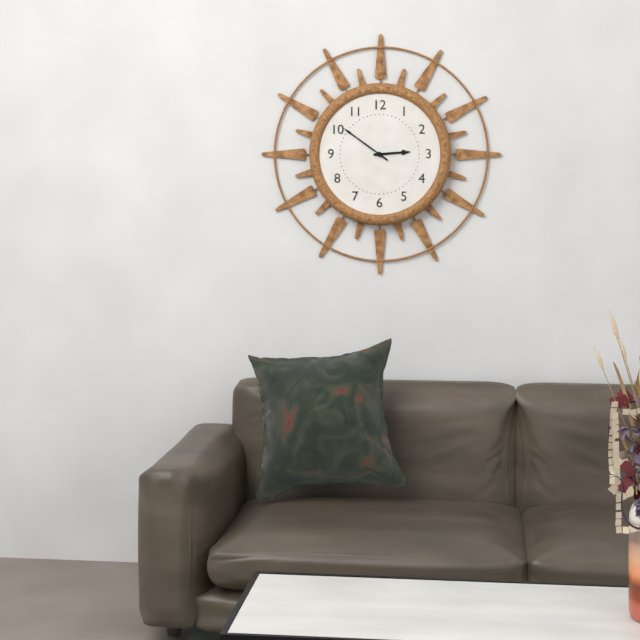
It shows 2:51
